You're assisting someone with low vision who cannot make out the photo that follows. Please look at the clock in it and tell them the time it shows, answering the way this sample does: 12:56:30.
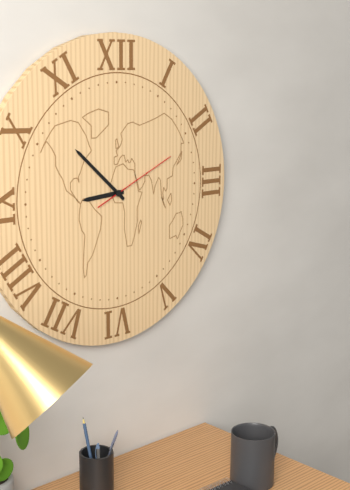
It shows 8:52:11
